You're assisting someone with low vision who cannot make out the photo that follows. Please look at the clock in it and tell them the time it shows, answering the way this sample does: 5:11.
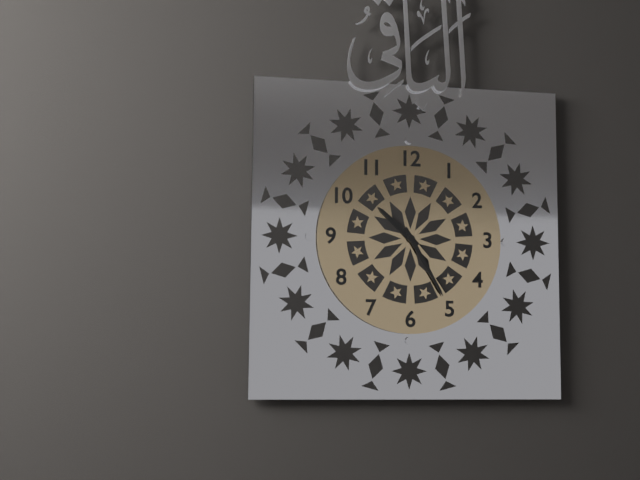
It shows 10:25
